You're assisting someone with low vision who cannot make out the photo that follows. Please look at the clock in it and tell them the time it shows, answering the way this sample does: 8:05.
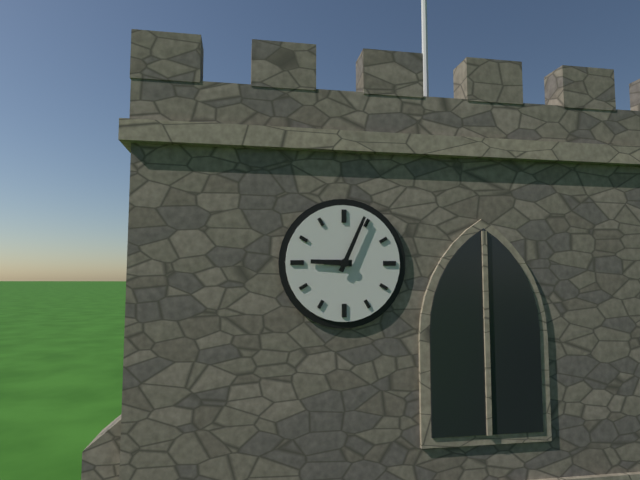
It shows 9:04
